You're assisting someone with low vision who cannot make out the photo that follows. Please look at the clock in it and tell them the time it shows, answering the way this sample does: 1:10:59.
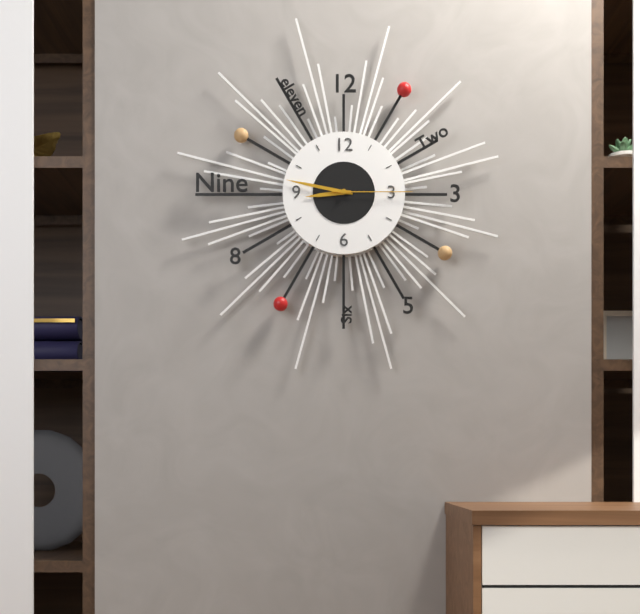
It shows 8:47:15
